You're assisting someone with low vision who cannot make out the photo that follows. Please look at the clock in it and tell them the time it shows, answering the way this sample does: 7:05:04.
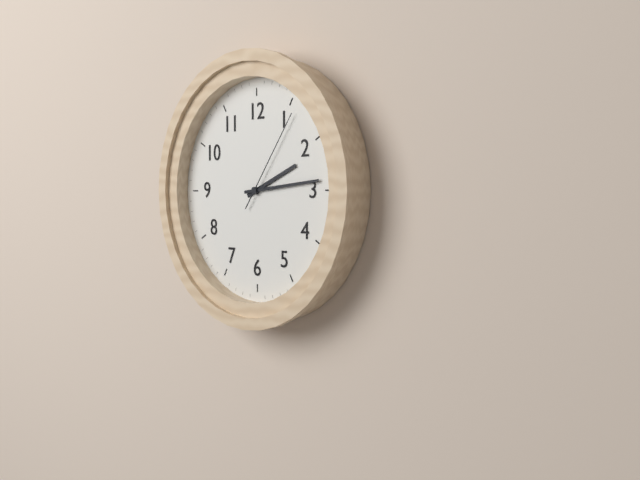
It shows 2:14:06
